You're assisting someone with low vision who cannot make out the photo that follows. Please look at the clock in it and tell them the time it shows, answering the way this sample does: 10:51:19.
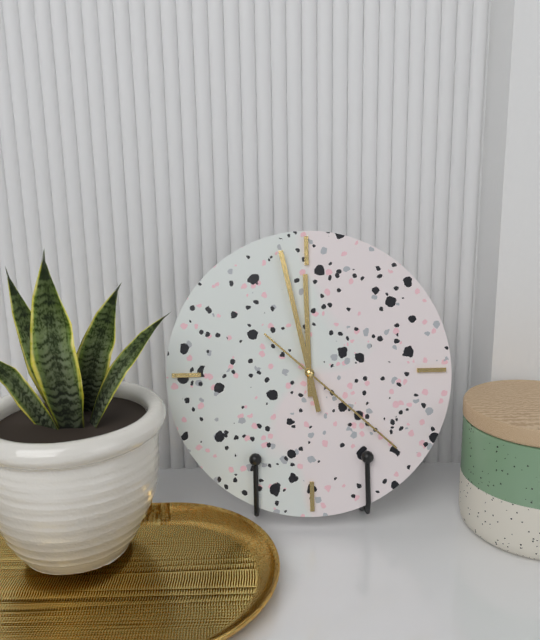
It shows 11:58:22
